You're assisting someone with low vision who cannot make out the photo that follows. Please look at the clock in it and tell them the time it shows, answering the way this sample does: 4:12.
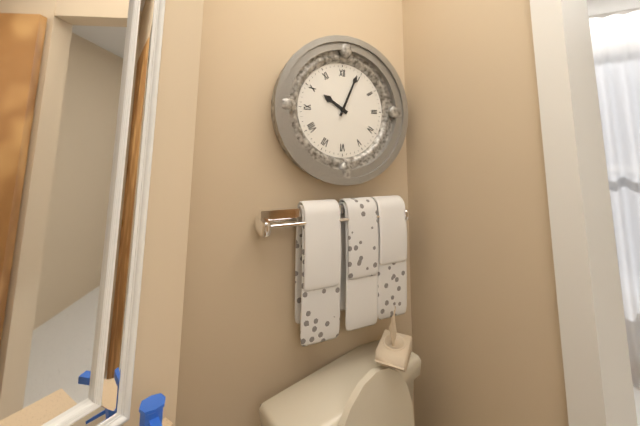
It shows 10:04
